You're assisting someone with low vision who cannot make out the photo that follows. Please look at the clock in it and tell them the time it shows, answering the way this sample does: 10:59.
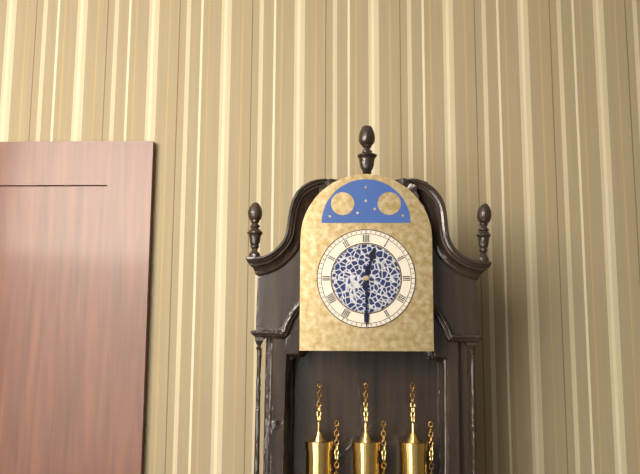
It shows 12:30
